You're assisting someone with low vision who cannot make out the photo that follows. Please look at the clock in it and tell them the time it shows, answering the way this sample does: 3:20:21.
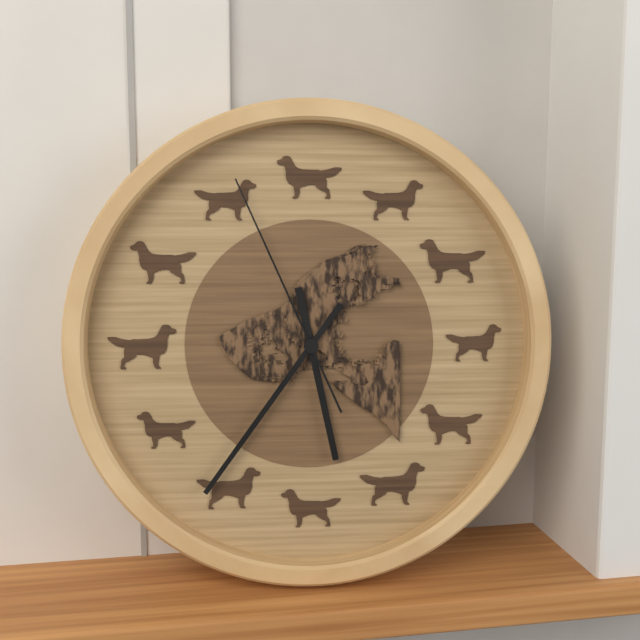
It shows 5:36:56
